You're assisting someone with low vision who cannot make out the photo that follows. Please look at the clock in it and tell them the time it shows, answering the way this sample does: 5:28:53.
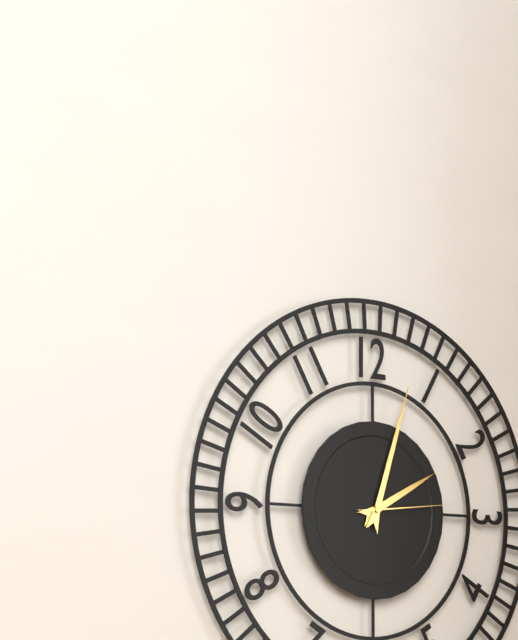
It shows 2:03:14
